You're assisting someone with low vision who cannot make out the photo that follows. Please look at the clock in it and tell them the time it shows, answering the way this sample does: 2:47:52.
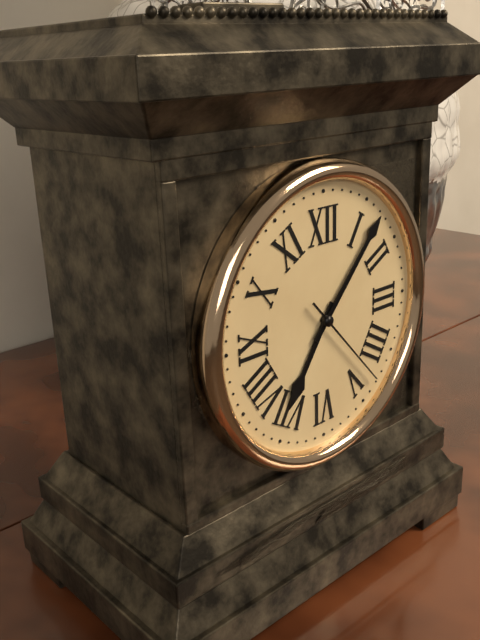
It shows 7:07:23
